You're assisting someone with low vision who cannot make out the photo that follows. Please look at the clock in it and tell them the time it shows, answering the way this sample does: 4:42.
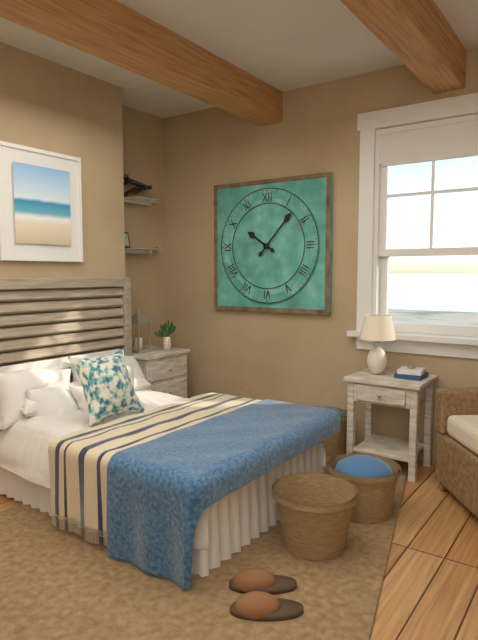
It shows 10:07
